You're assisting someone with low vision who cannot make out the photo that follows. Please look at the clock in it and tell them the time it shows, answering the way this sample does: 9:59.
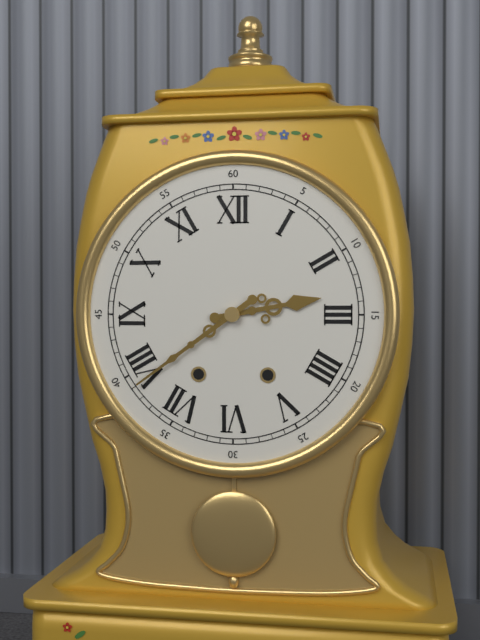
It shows 2:39
